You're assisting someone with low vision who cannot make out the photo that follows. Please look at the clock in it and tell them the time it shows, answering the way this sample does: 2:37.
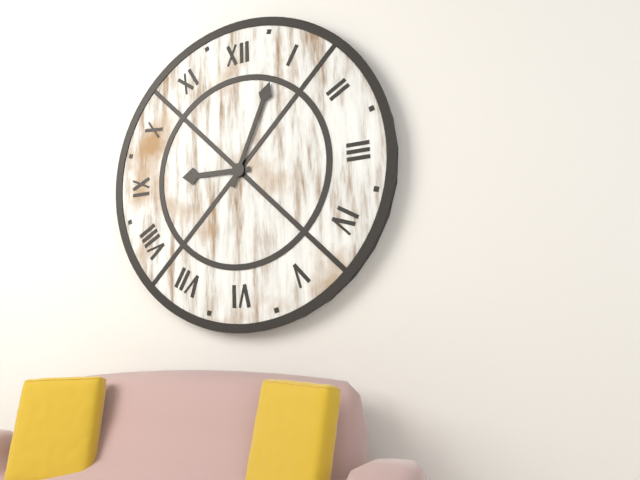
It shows 9:04
